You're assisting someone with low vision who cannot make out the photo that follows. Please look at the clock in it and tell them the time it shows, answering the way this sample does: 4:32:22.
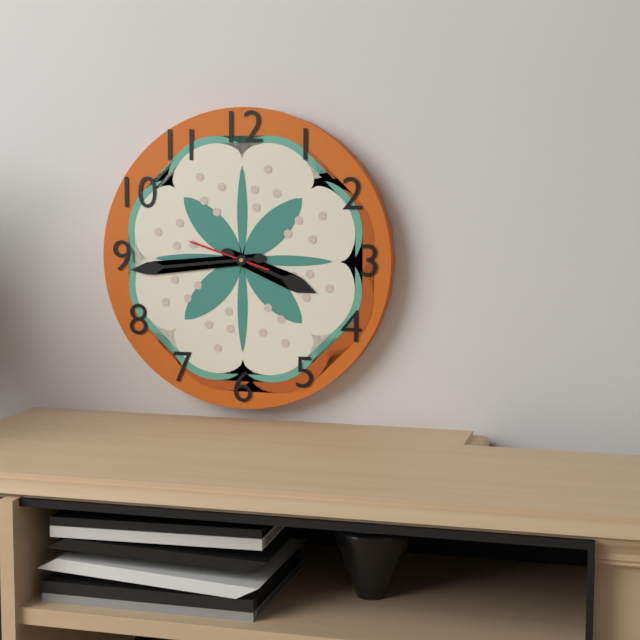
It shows 3:44:48
